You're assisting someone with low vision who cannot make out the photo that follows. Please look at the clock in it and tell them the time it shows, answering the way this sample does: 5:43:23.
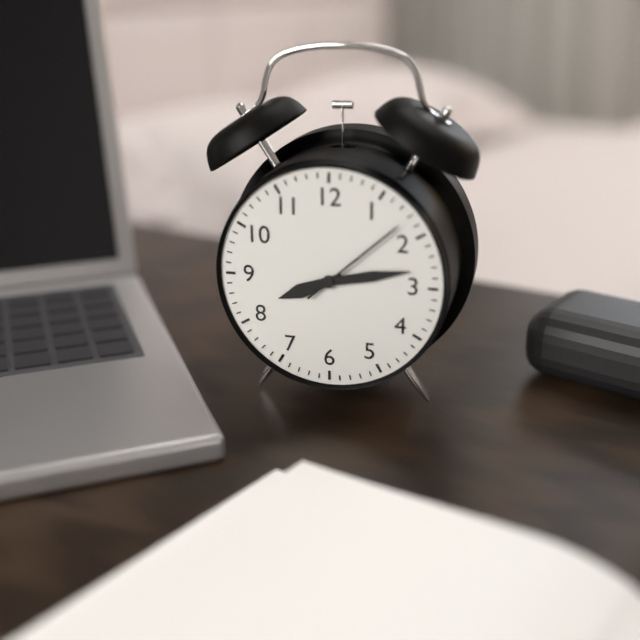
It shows 8:13:08
